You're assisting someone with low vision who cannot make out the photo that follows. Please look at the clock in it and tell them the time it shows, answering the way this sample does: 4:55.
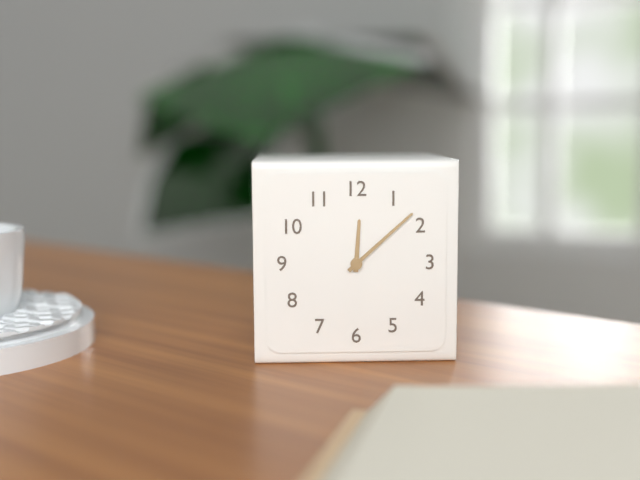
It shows 12:08
